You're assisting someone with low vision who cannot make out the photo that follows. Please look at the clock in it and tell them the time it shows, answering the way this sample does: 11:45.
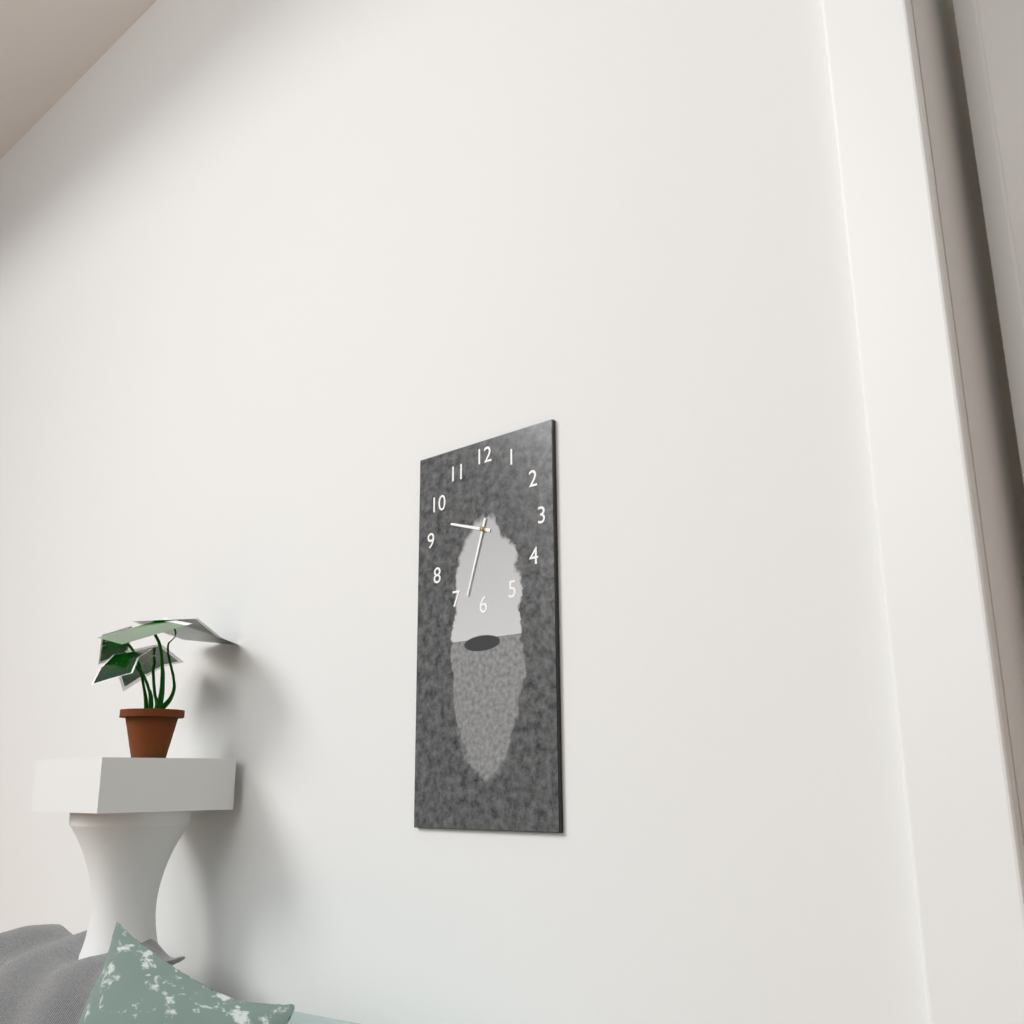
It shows 9:33
